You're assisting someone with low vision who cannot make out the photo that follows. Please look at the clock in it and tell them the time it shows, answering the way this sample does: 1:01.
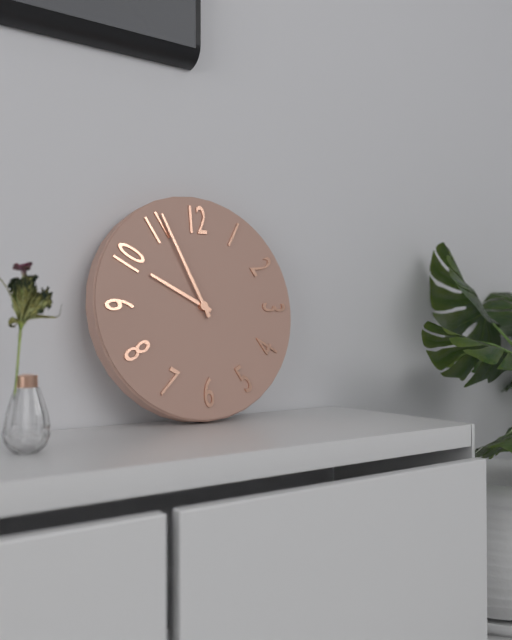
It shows 9:56
